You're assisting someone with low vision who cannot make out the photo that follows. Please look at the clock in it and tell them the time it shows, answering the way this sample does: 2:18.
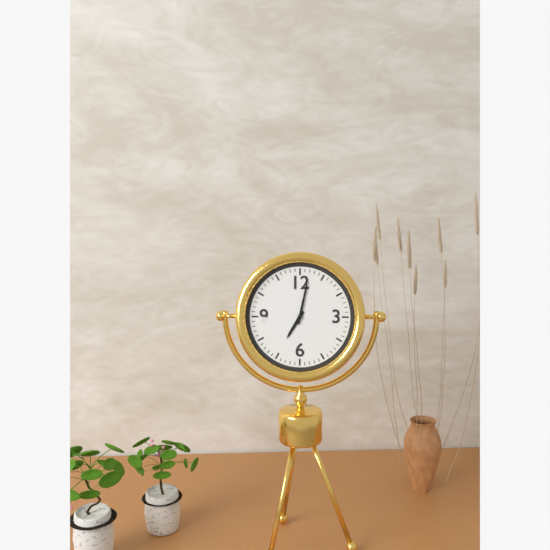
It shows 7:02
